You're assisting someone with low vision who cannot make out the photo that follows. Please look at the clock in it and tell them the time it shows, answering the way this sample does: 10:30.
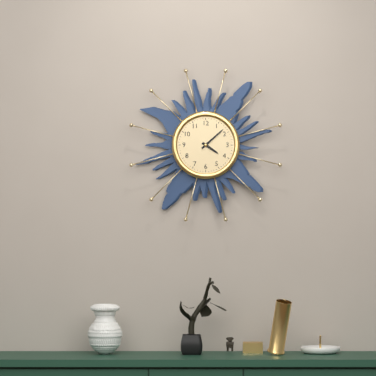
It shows 4:08
